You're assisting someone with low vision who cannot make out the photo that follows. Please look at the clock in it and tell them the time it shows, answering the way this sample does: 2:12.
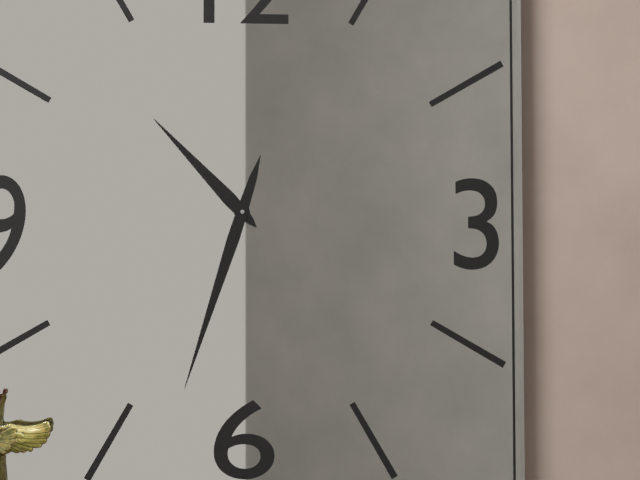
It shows 10:33
